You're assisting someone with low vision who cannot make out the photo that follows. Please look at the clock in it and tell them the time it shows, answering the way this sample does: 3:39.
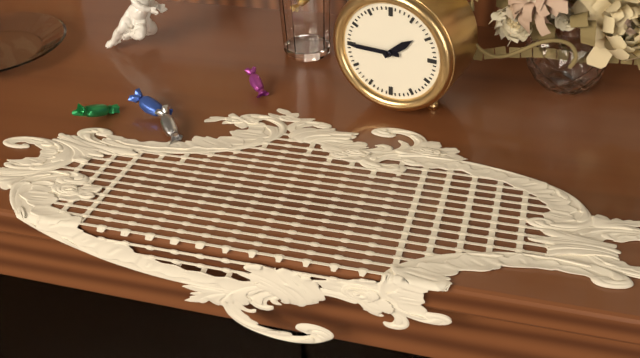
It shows 1:45
